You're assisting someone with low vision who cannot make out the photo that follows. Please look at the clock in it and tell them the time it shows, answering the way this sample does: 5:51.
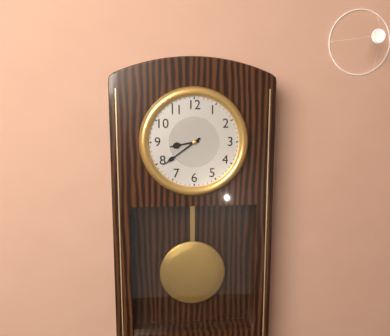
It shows 8:39
